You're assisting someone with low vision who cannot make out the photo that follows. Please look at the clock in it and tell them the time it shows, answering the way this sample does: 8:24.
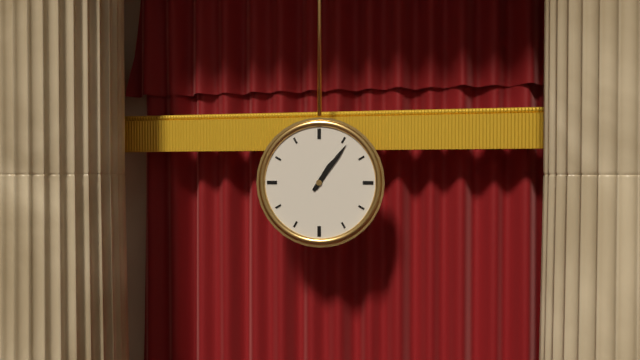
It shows 1:06
